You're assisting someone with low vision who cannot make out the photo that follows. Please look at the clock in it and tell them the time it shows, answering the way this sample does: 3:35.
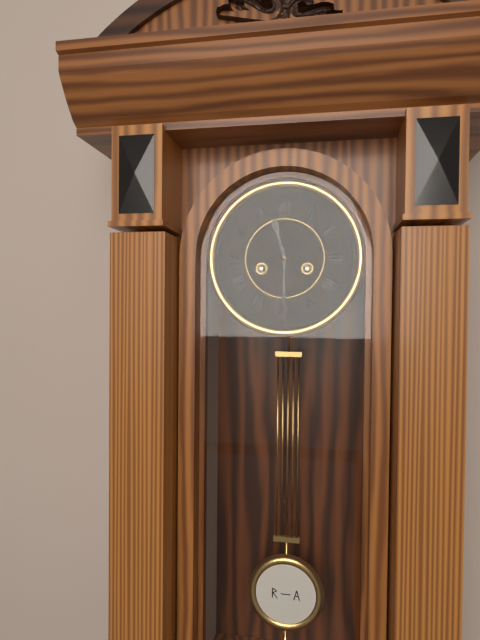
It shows 11:30
